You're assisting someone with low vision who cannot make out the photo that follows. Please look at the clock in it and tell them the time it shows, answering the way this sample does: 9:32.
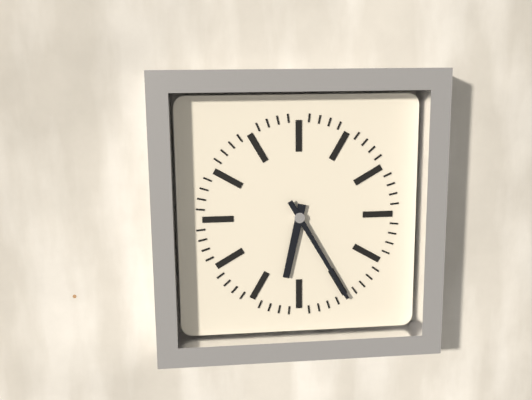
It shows 6:25
